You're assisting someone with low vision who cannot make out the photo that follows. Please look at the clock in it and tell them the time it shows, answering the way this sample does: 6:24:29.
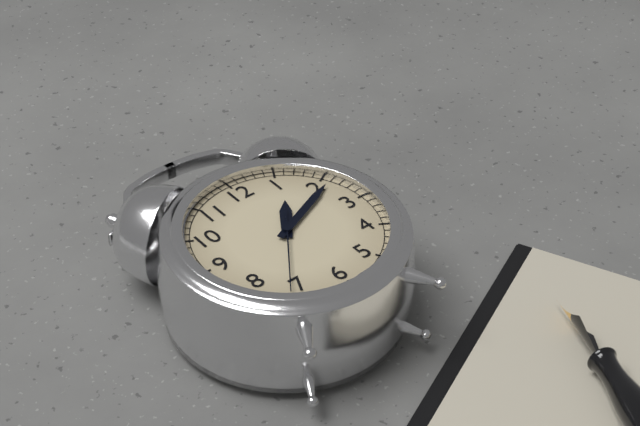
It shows 1:11:36
